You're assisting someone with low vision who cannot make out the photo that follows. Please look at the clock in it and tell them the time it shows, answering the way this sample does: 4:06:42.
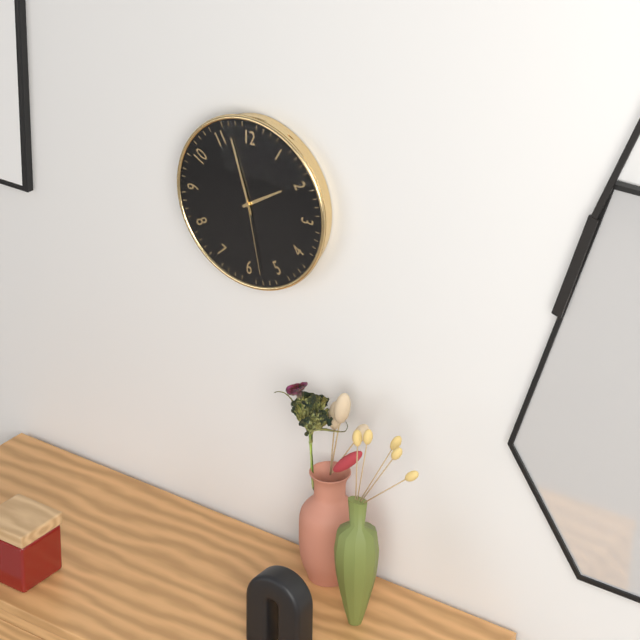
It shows 1:57:28
